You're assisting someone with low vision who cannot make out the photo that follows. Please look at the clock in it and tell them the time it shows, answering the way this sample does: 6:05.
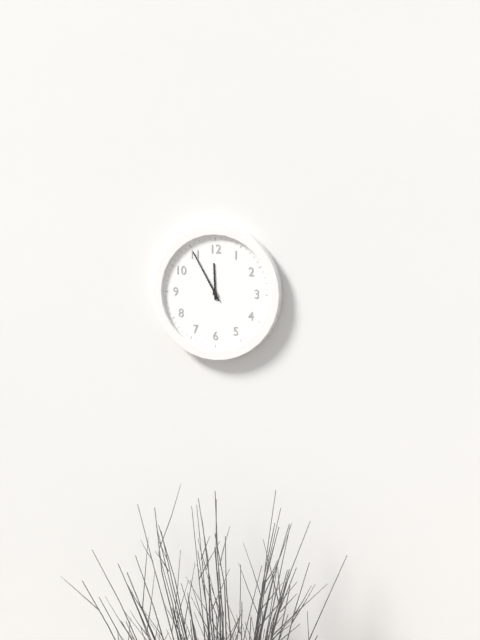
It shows 11:55
